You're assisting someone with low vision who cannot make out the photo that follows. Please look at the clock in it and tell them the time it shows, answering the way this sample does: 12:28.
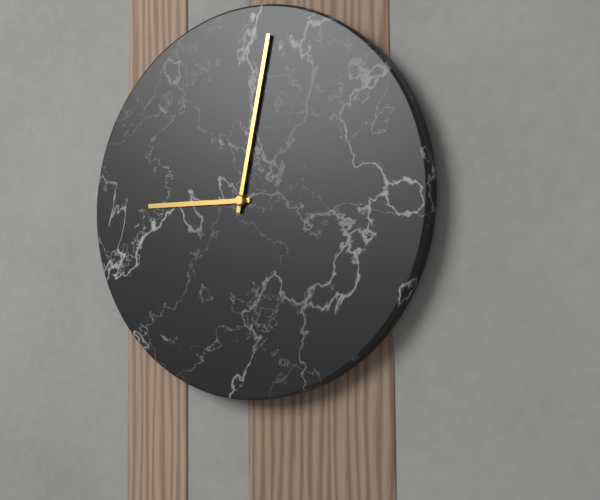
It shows 9:02
